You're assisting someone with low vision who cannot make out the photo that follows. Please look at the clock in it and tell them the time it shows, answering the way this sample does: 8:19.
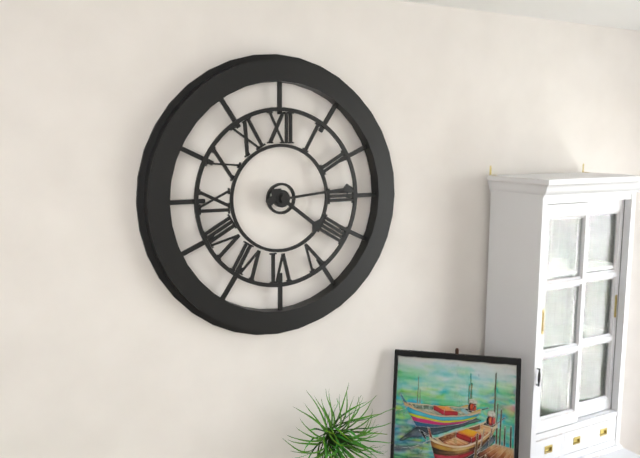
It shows 4:14
